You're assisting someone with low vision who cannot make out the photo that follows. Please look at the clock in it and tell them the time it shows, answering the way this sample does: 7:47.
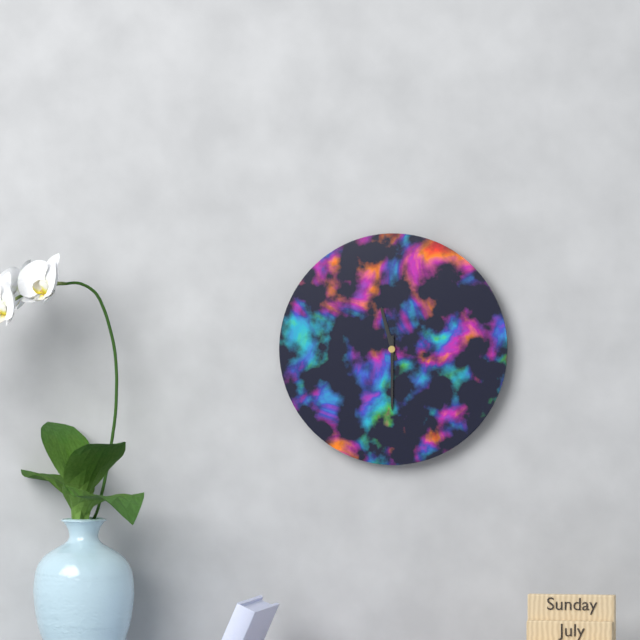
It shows 11:30
